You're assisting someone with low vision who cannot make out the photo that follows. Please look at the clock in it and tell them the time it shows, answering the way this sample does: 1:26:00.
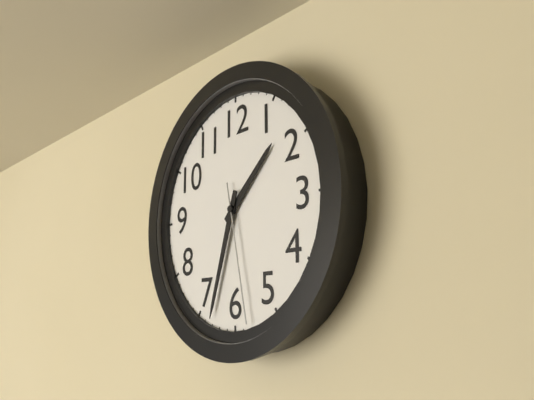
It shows 1:33:28
